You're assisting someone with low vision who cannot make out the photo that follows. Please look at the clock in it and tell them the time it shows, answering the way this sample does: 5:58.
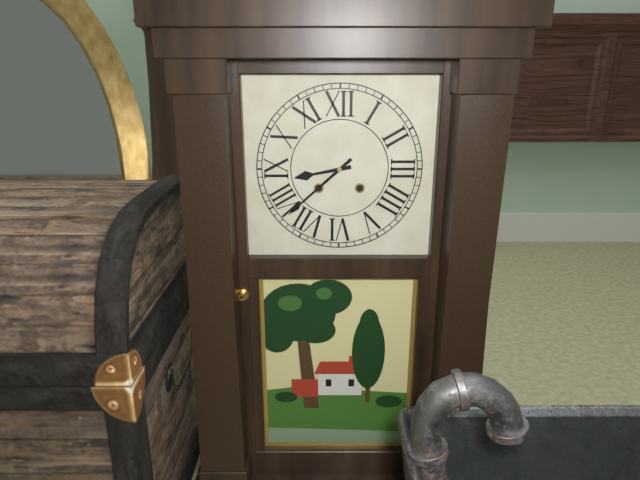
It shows 8:38
